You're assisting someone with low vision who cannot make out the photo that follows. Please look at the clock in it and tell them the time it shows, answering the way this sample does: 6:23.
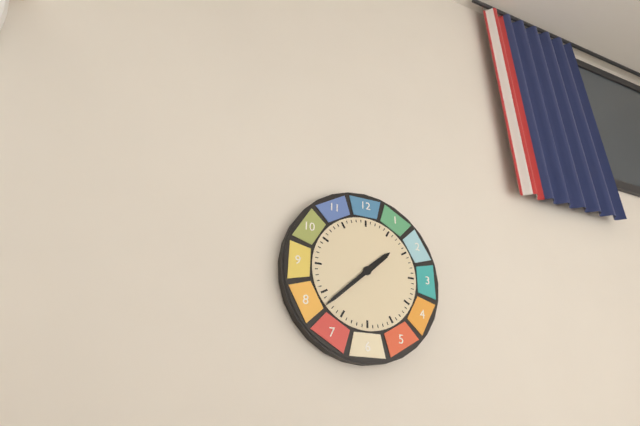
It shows 1:38
